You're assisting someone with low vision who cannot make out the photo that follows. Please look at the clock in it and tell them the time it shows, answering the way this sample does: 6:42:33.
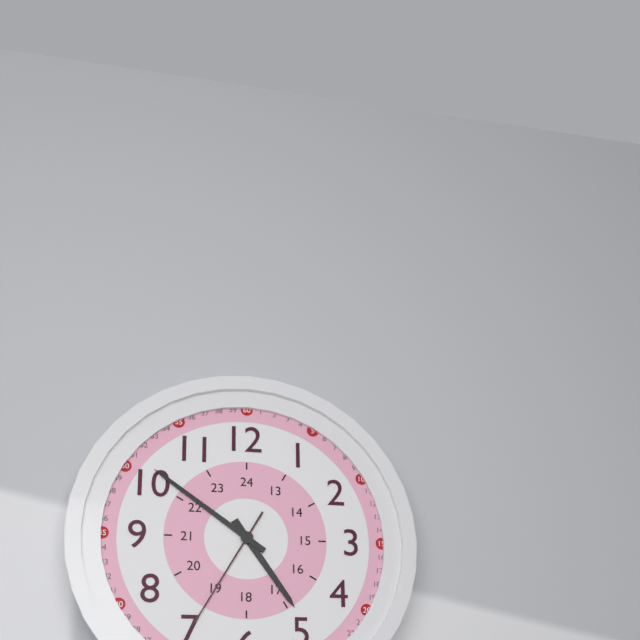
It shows 4:51:35
